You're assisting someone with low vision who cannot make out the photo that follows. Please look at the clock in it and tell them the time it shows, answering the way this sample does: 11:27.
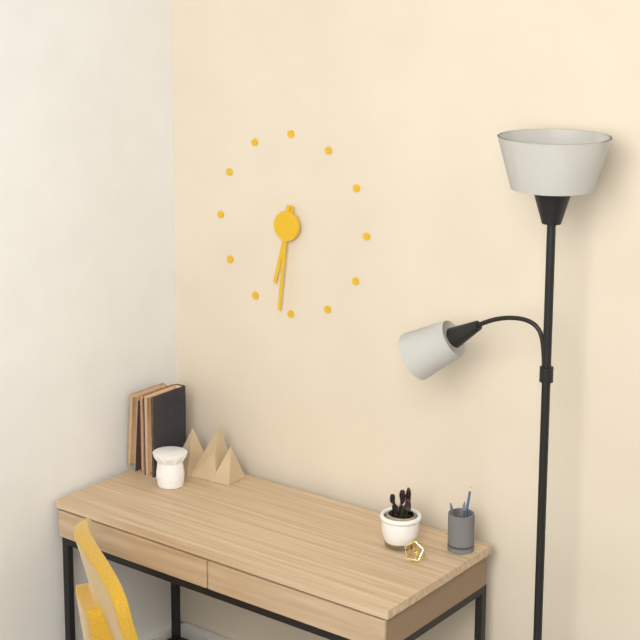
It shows 6:31
